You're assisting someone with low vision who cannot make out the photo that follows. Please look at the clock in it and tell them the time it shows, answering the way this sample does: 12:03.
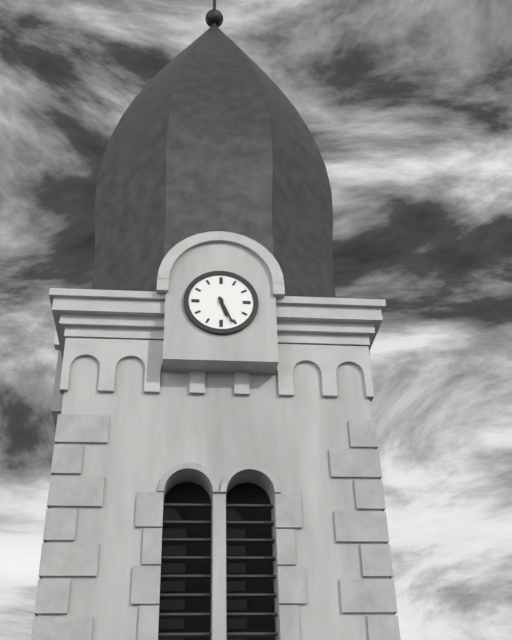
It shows 5:26
